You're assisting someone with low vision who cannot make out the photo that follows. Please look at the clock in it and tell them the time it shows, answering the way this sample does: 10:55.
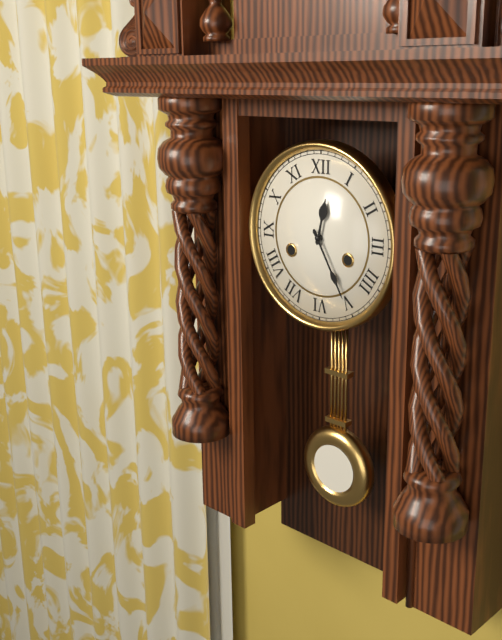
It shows 12:25
